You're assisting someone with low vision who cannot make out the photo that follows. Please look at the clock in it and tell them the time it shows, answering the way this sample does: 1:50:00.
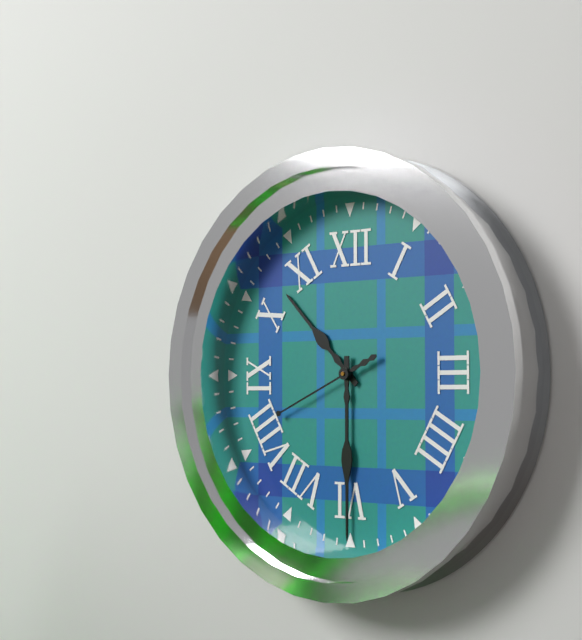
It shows 10:30:41
